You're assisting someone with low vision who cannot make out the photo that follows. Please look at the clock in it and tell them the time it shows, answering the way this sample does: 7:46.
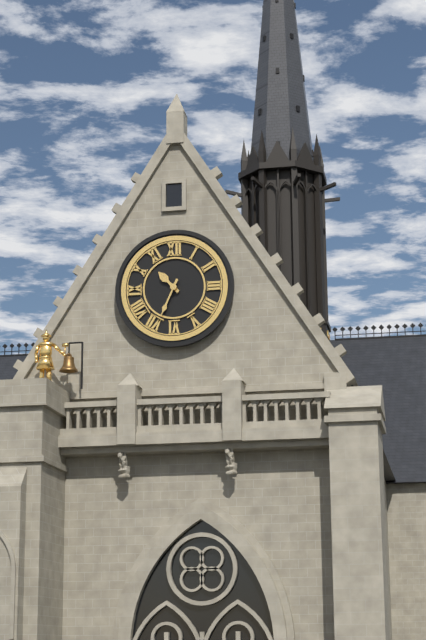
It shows 10:34
